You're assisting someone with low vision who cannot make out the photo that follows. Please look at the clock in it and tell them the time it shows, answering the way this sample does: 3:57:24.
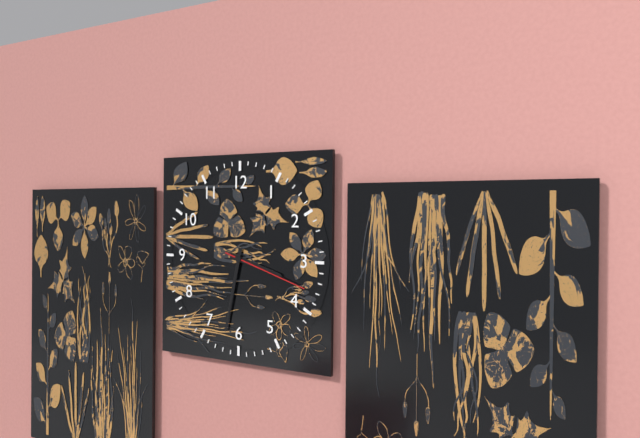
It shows 3:32:18
